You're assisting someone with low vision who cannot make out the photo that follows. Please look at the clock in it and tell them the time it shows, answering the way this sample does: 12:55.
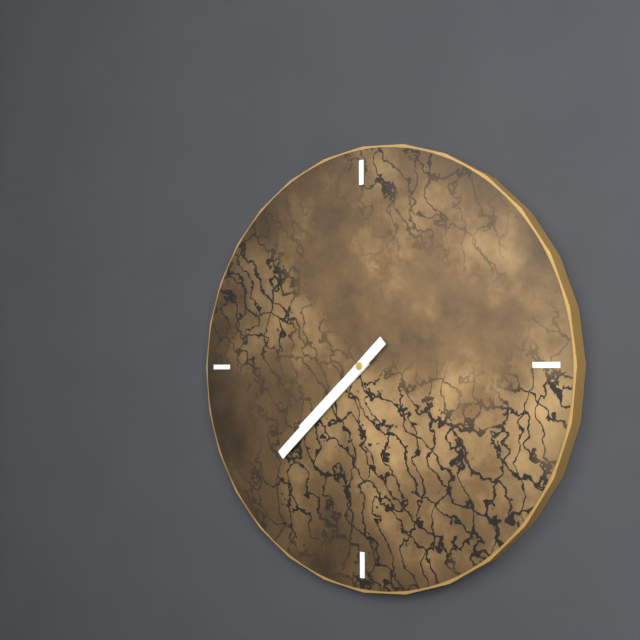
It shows 7:38
